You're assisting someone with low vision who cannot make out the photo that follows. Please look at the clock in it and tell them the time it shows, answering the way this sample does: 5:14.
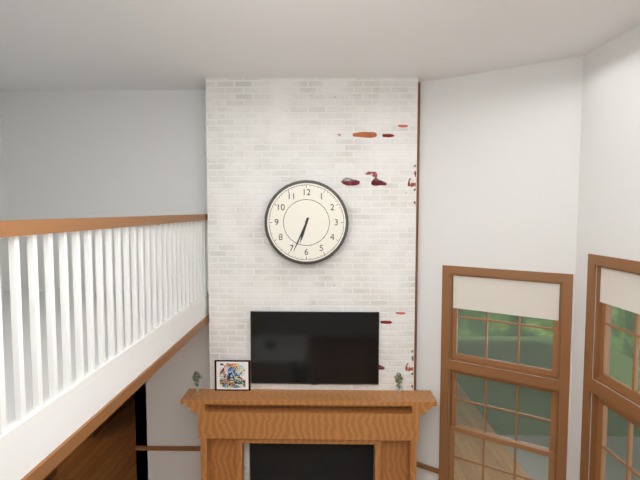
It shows 6:34
